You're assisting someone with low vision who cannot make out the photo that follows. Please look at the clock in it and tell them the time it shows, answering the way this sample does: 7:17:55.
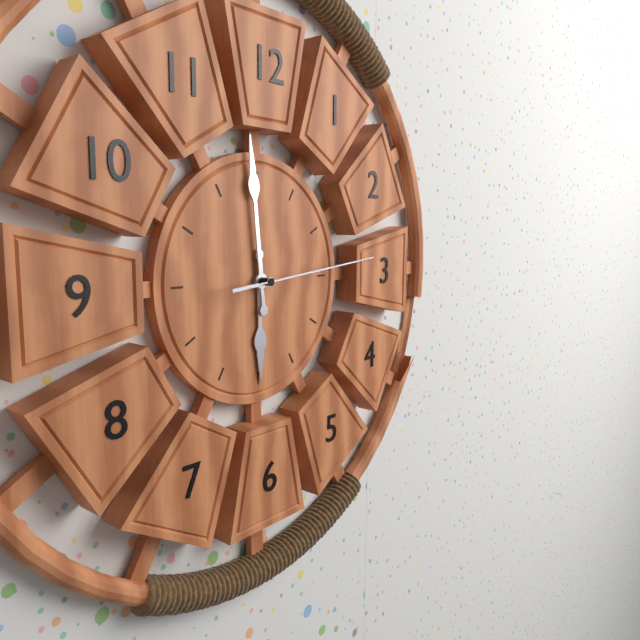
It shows 5:59:14
